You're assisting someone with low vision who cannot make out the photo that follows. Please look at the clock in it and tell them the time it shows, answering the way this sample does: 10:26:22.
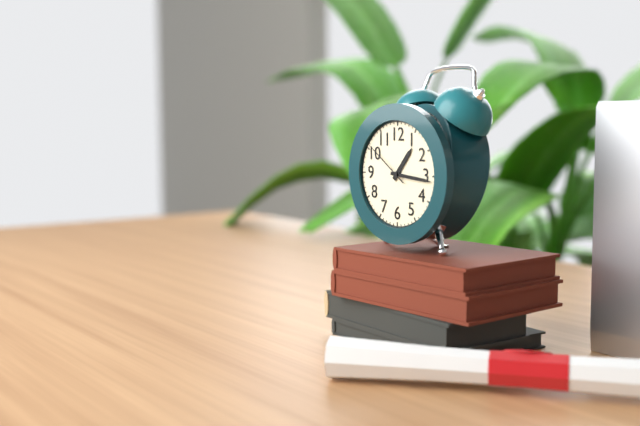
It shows 1:16:51
